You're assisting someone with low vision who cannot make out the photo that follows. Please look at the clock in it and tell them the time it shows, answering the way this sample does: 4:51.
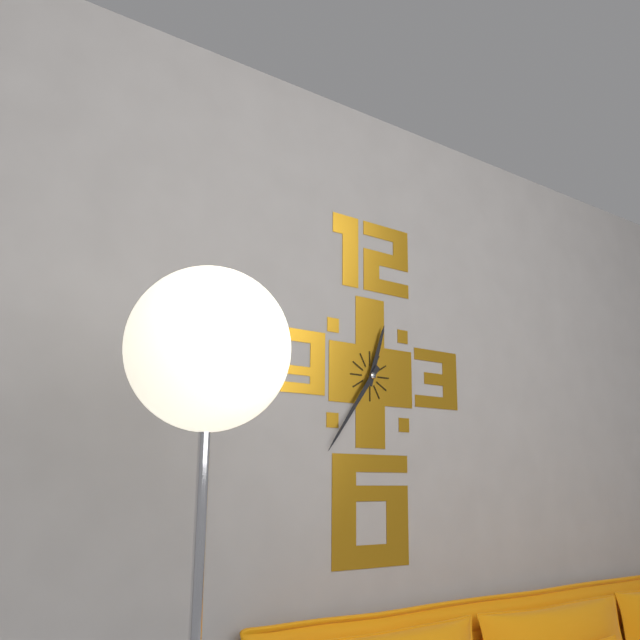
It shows 12:36
